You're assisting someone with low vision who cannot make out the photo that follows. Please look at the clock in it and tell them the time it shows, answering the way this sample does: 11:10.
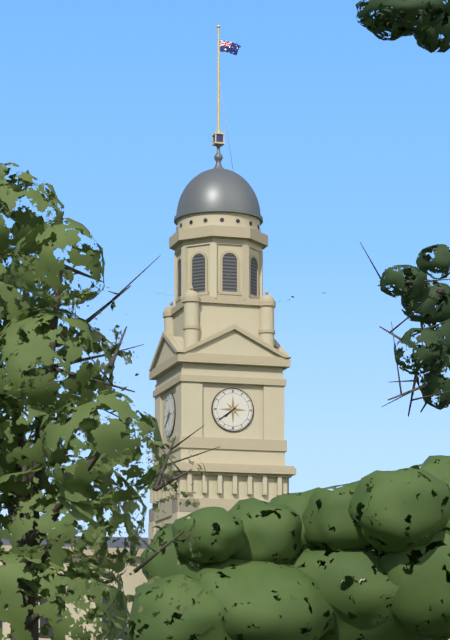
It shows 7:39
